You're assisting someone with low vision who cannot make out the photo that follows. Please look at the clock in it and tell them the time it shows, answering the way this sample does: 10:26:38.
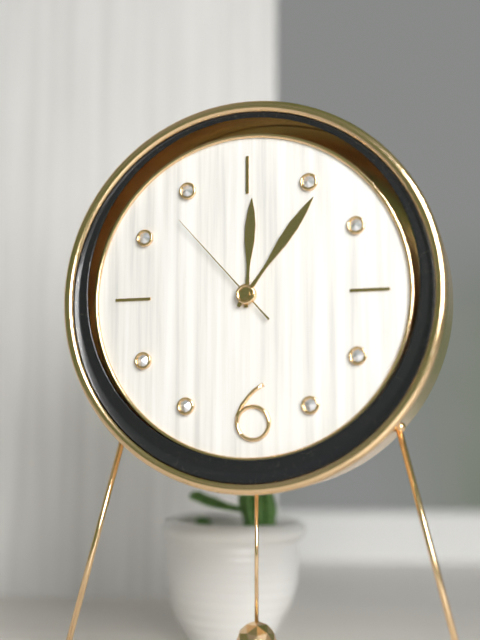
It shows 12:06:53
